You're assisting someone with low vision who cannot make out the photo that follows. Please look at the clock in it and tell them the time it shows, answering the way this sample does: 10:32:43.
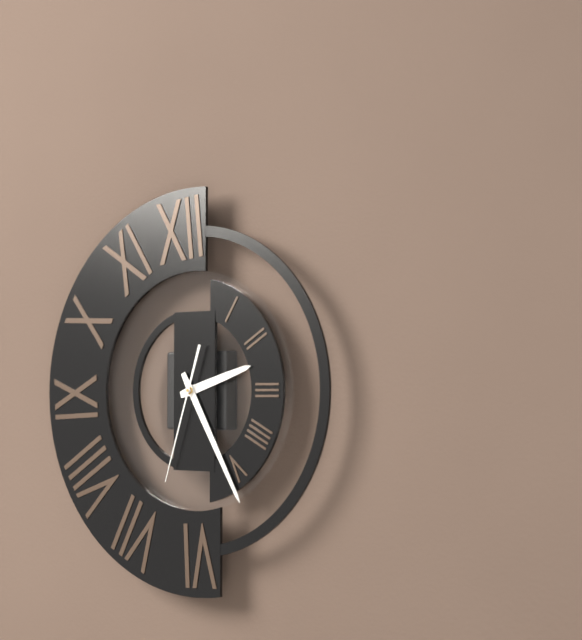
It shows 2:25:33
